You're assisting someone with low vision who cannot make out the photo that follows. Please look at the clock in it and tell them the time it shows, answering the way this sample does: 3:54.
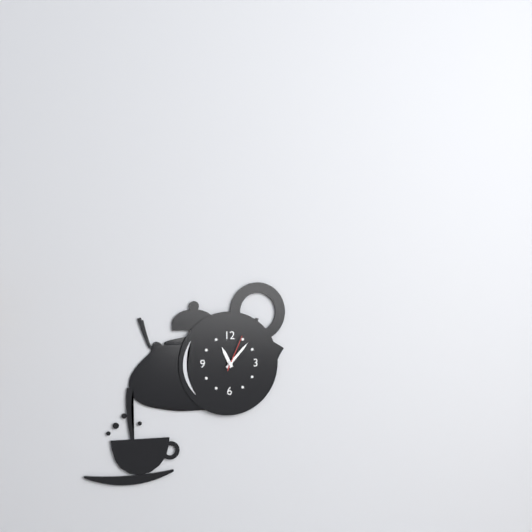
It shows 11:07
